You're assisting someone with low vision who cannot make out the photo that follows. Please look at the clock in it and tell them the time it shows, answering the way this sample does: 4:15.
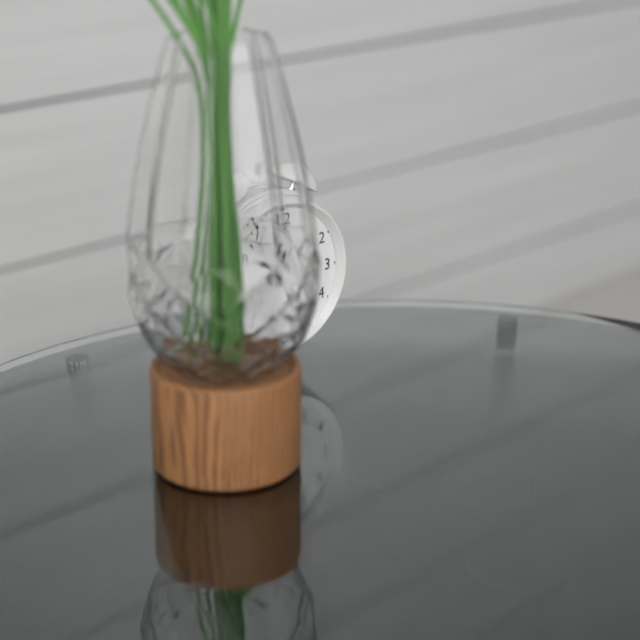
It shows 9:59
